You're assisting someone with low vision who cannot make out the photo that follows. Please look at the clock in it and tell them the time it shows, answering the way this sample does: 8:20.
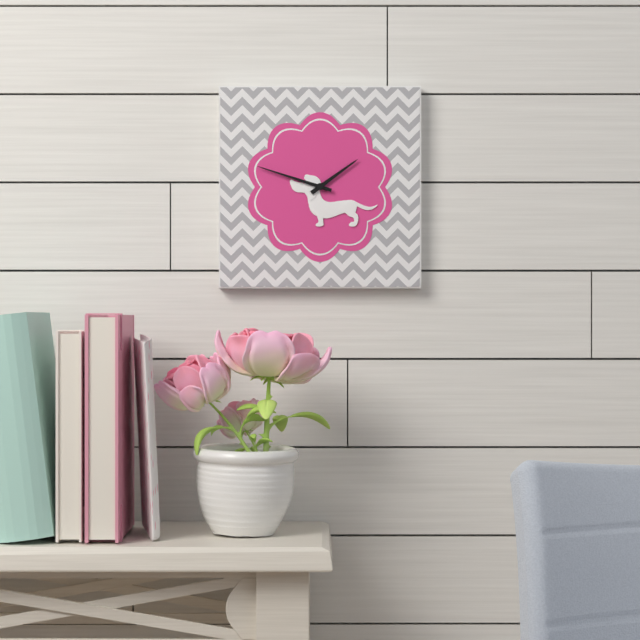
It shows 1:48
